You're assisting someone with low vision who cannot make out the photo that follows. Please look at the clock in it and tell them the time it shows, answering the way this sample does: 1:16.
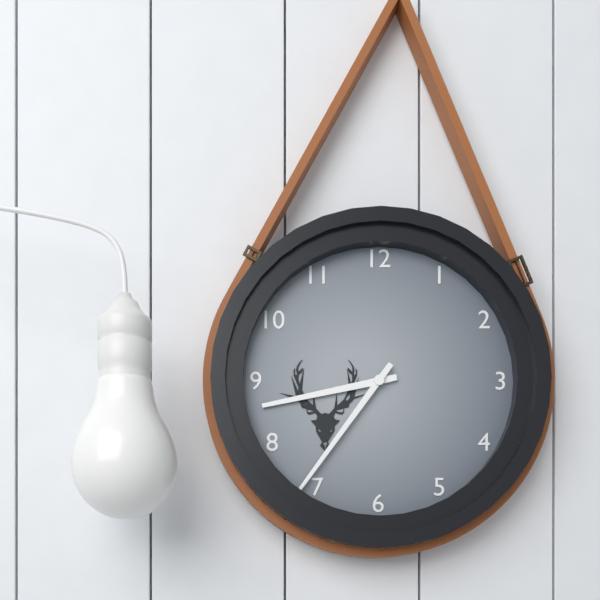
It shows 8:36
